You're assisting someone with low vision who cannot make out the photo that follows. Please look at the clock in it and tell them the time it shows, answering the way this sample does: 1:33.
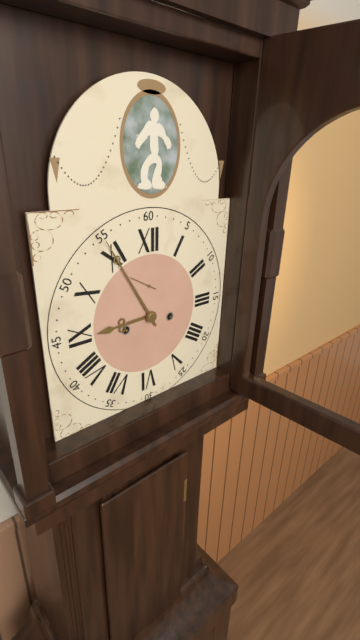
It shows 8:55
